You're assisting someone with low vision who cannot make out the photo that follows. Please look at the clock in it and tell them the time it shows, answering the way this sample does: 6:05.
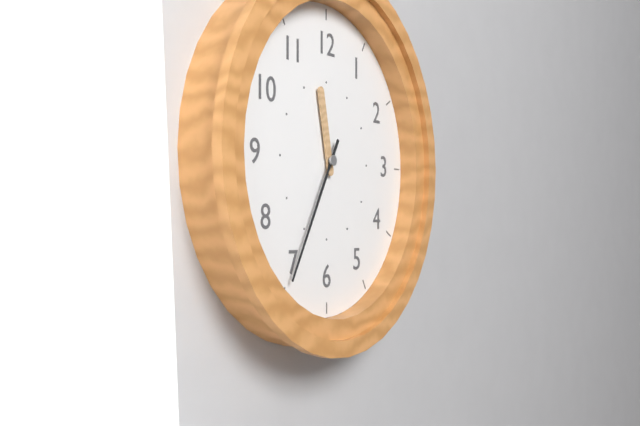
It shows 11:35
